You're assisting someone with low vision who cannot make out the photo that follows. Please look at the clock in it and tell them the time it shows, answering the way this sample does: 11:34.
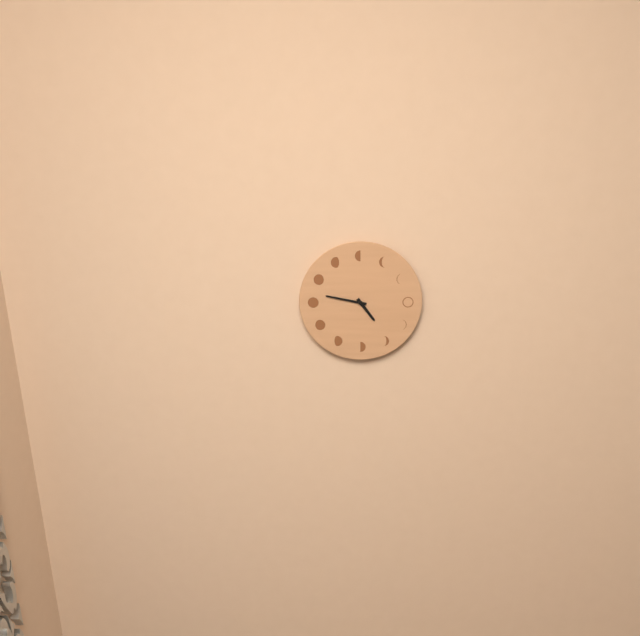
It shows 4:47
